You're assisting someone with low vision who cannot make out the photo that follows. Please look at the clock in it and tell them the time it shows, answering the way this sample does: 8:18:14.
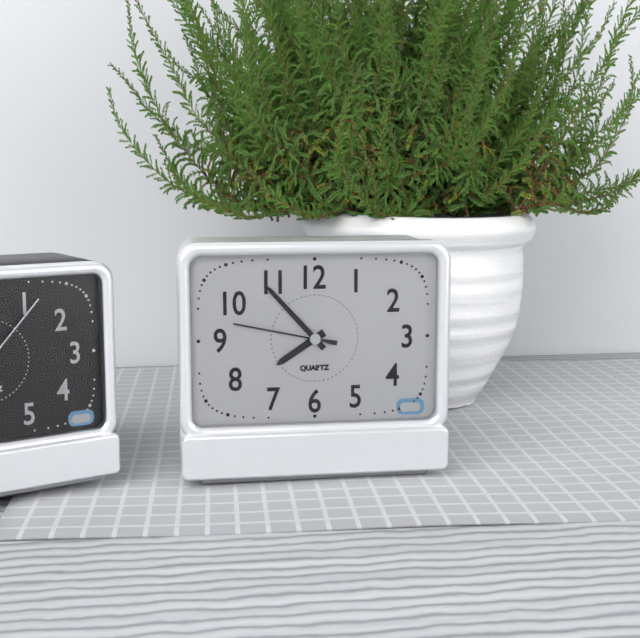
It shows 7:53:47
